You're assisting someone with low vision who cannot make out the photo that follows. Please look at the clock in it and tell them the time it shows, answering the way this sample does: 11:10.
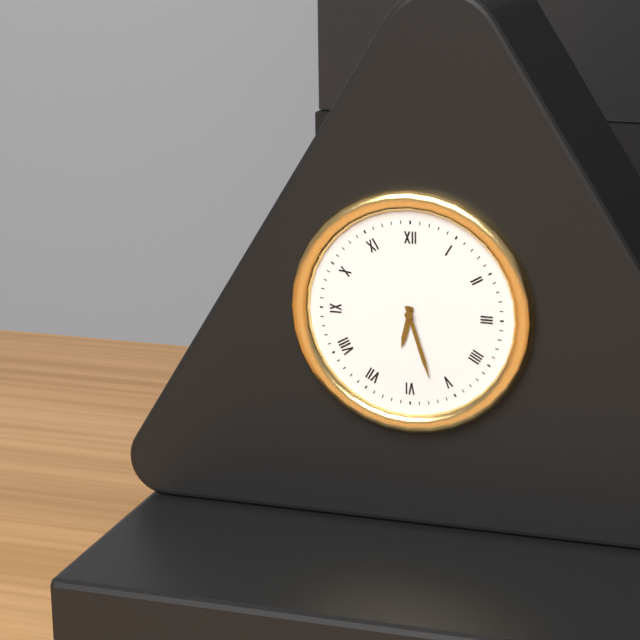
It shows 6:27
